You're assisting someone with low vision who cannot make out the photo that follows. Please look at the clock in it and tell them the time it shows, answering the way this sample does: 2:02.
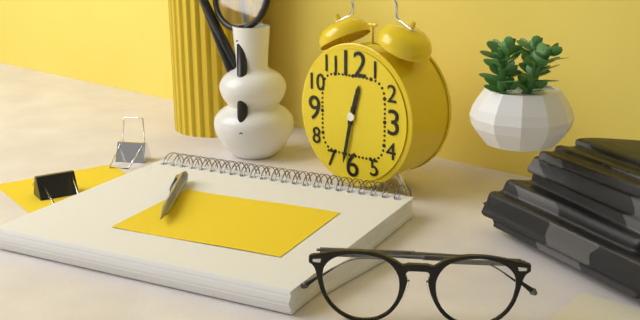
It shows 12:32
